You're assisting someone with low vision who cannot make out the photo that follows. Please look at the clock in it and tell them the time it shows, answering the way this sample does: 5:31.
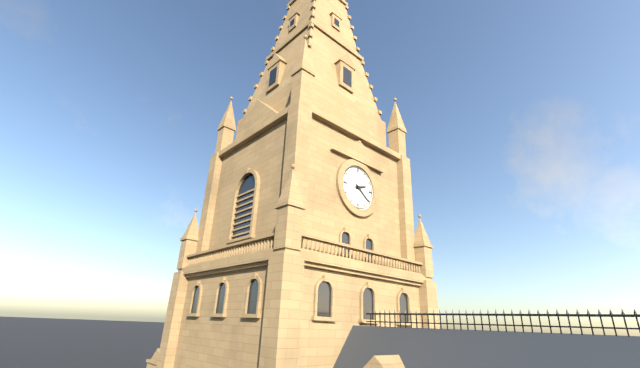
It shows 2:21
